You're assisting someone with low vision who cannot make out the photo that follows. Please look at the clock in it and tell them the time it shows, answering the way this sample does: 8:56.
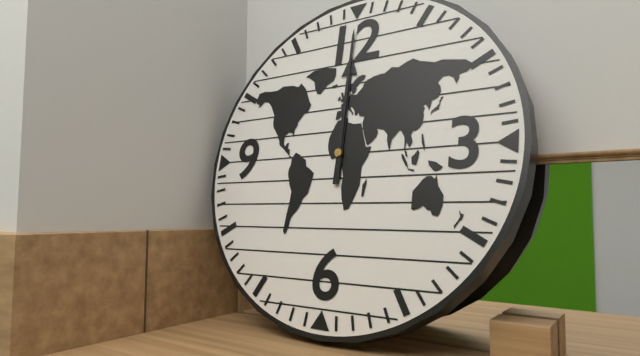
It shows 12:00
